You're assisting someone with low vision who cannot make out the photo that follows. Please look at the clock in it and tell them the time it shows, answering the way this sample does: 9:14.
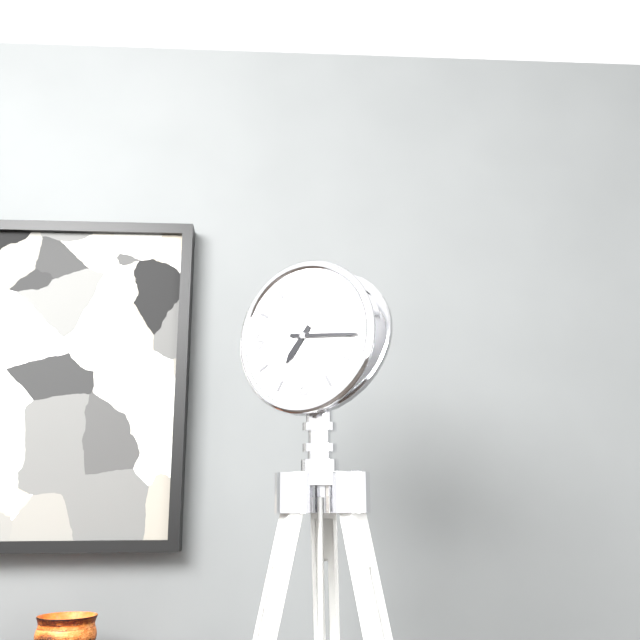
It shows 7:16
